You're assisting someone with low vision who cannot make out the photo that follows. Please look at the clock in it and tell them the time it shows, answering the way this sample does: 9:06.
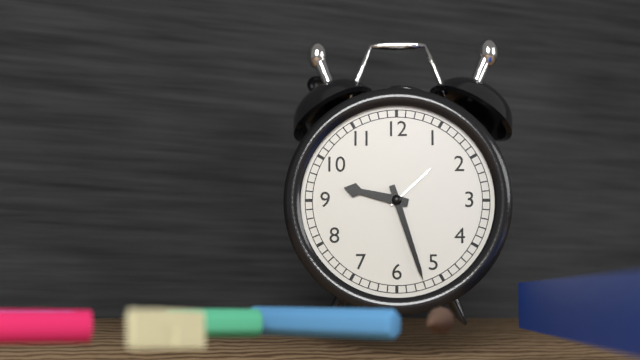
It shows 9:27
